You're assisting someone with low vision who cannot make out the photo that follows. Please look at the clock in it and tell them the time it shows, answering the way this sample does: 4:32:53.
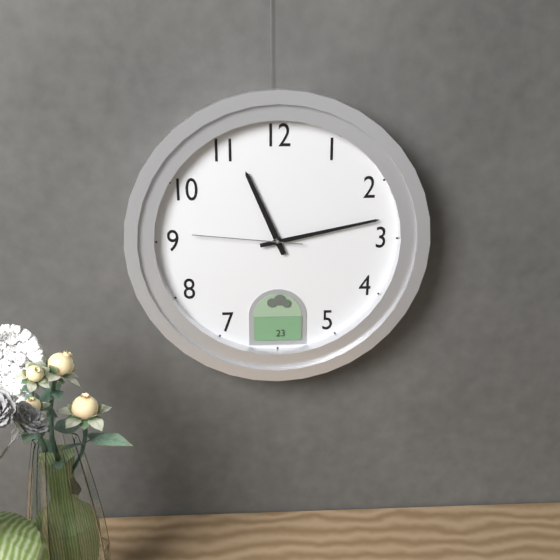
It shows 11:13:46
